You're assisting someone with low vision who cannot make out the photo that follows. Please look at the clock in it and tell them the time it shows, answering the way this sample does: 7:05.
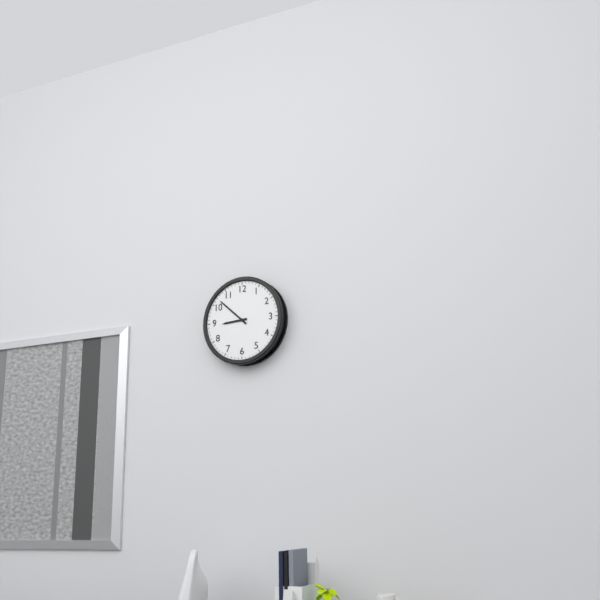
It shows 8:52
